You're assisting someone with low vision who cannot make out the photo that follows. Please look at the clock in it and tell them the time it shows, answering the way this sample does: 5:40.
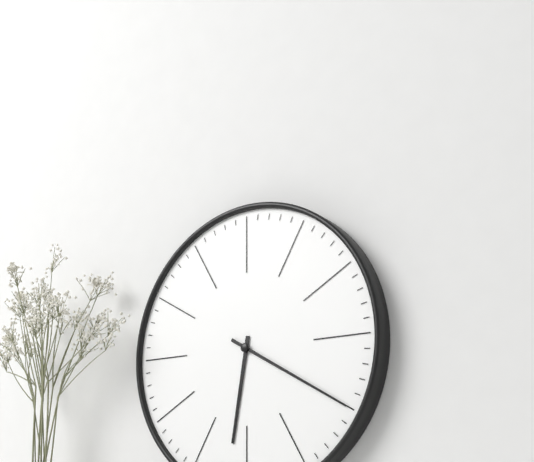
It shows 6:20
